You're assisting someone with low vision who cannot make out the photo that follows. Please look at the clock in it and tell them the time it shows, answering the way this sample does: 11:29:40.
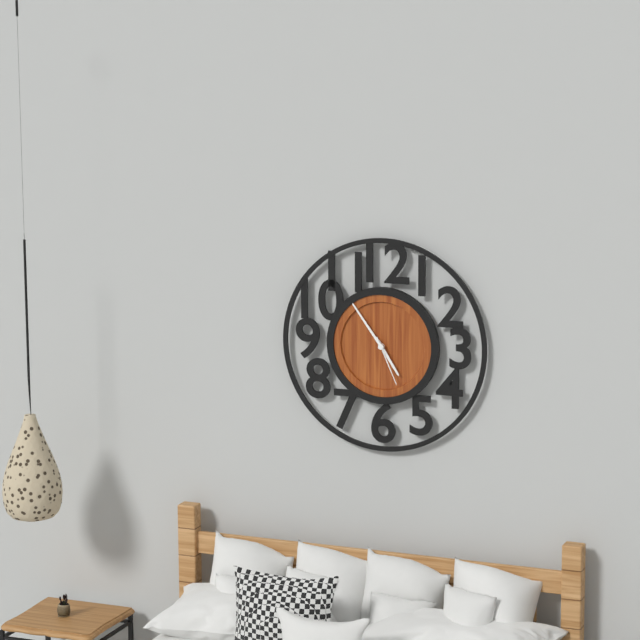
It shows 4:54:26
